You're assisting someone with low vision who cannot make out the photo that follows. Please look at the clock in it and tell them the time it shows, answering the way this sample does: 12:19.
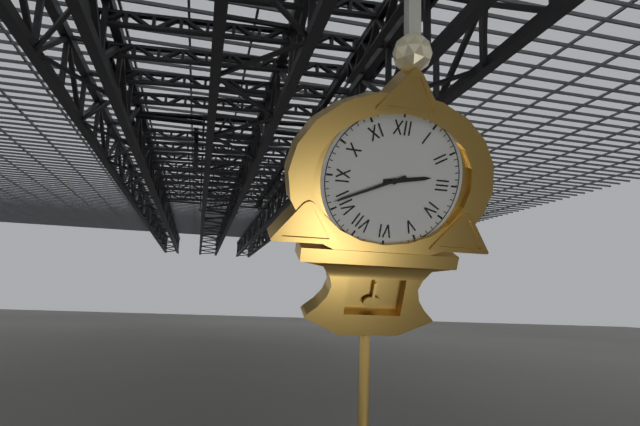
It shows 2:41
